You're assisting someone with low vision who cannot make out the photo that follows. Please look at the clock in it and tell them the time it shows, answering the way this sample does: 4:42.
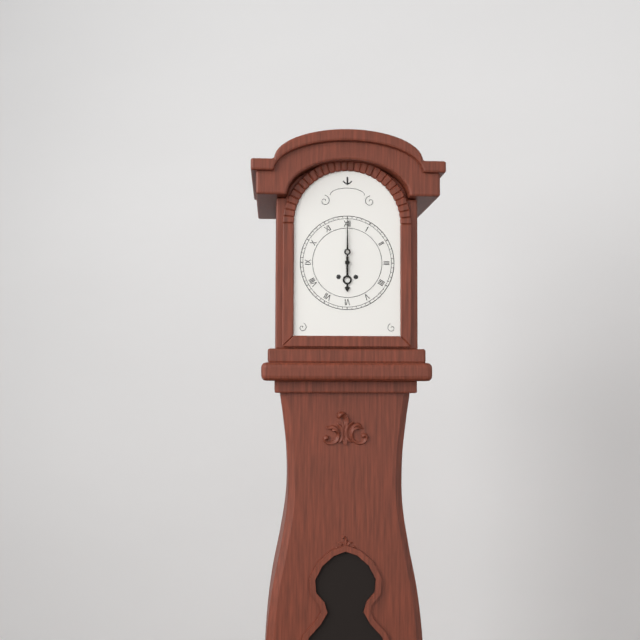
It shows 6:00
